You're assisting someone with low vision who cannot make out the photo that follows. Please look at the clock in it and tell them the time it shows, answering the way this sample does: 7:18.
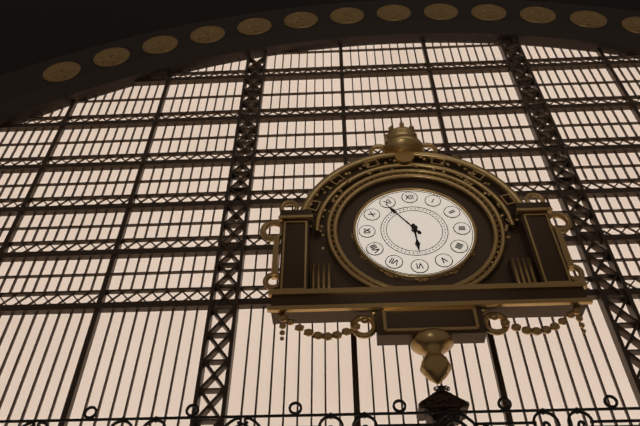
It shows 5:54
